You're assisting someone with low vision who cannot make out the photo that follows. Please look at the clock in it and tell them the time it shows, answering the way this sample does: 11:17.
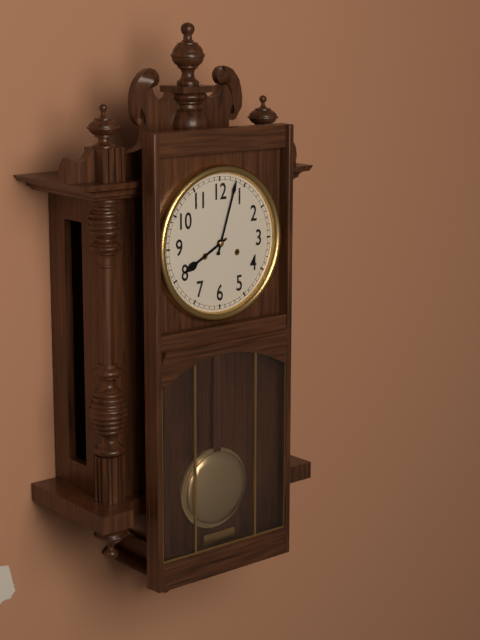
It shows 8:03
